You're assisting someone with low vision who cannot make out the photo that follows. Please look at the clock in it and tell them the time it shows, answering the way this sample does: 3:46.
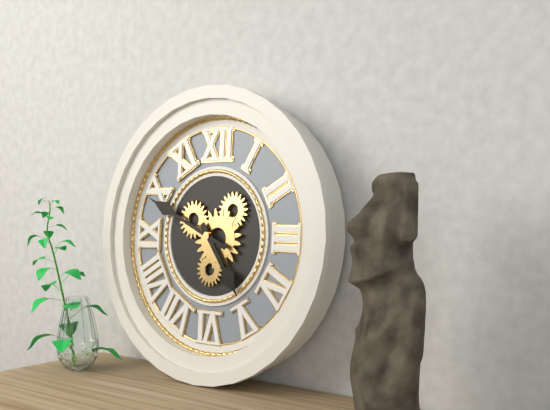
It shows 4:49
